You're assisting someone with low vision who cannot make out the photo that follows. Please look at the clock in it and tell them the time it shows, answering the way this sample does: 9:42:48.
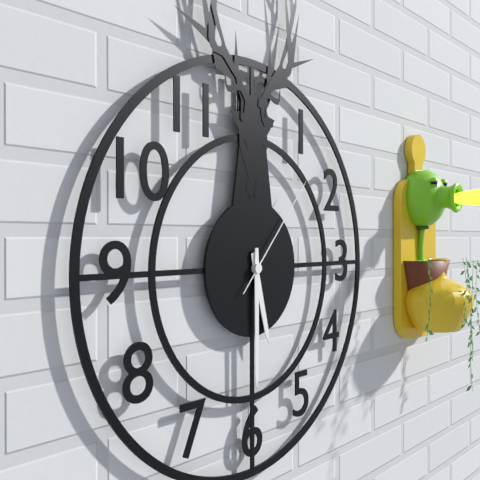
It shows 5:30:07
